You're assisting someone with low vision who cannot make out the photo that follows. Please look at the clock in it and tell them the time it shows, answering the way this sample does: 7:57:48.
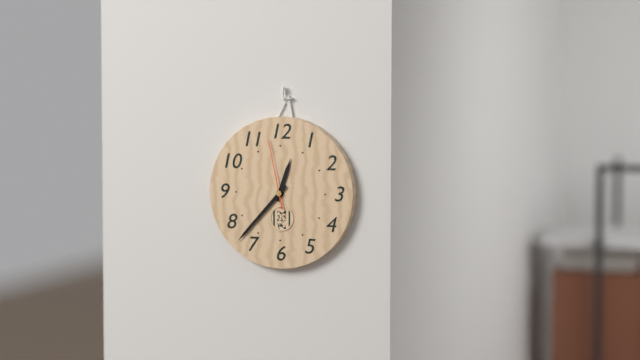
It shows 12:37:58
